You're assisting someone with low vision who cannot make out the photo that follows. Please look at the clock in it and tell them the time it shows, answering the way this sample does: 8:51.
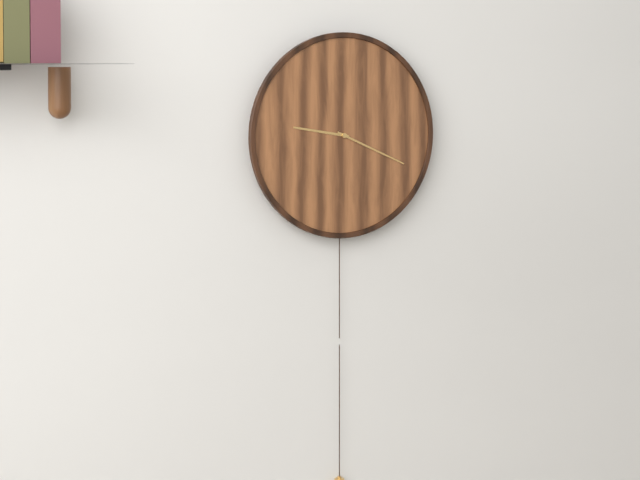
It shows 9:19
